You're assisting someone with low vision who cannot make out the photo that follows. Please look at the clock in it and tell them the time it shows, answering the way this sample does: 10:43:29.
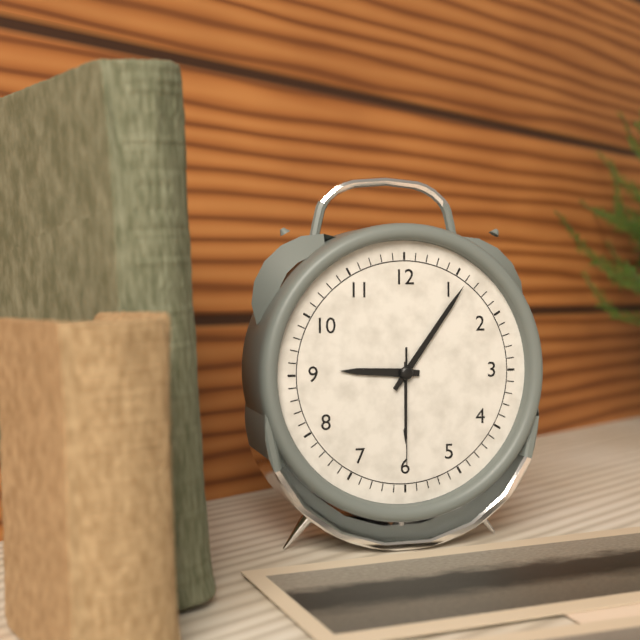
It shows 9:06:30
